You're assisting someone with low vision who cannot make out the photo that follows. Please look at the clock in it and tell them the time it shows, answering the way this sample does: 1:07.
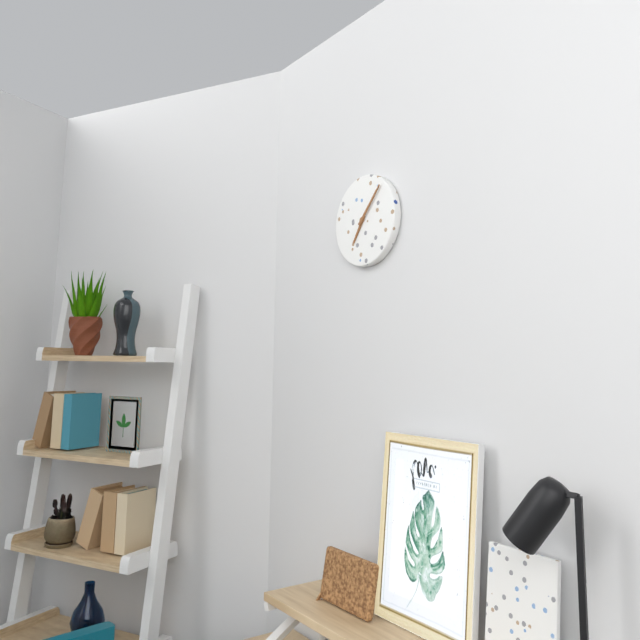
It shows 7:07
